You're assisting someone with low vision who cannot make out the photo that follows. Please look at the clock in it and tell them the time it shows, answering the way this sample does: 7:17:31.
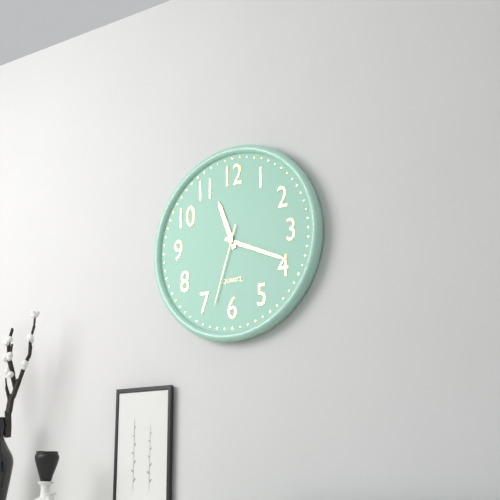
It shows 11:19:33
